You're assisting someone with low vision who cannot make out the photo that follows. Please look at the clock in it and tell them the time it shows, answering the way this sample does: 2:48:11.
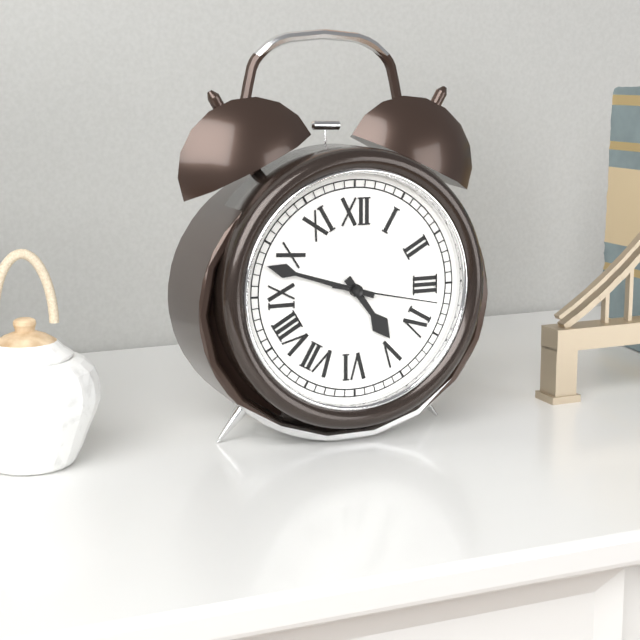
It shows 4:48:17
